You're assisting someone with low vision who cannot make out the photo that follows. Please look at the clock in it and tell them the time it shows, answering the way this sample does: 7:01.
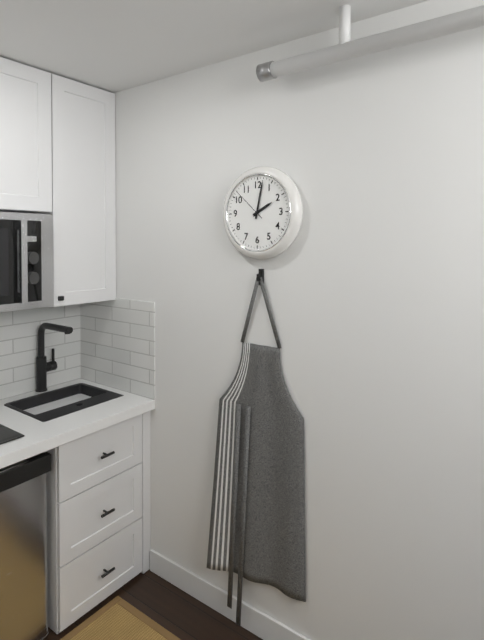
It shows 2:02
